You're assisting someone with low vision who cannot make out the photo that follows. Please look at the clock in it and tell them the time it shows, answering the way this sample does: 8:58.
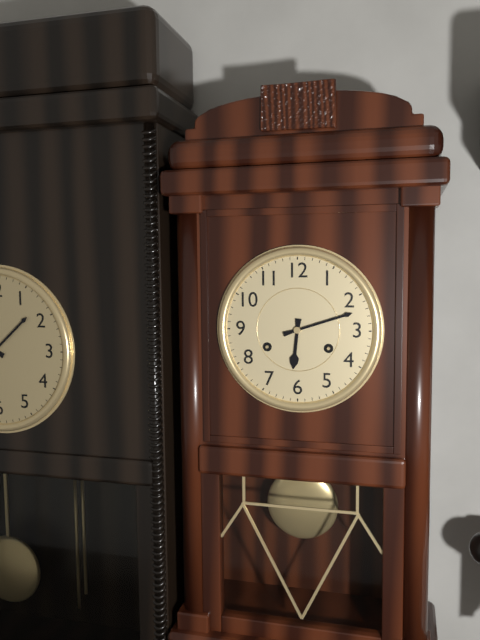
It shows 6:12
